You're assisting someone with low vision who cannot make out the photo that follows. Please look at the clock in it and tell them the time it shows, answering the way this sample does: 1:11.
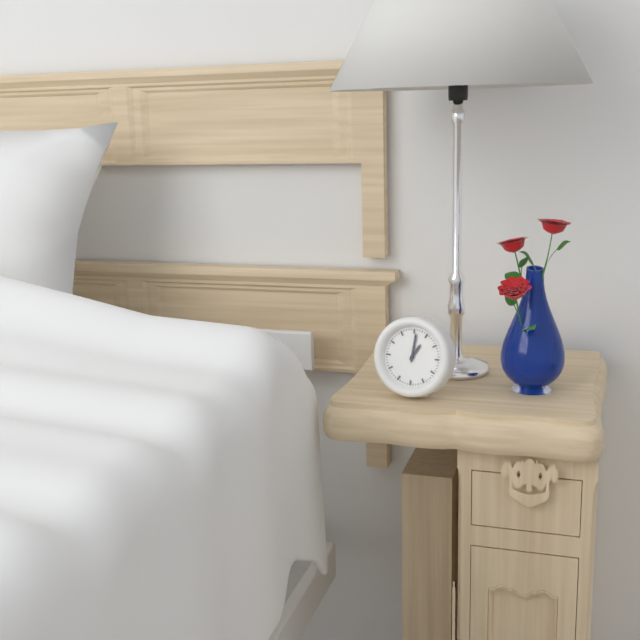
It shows 1:01
